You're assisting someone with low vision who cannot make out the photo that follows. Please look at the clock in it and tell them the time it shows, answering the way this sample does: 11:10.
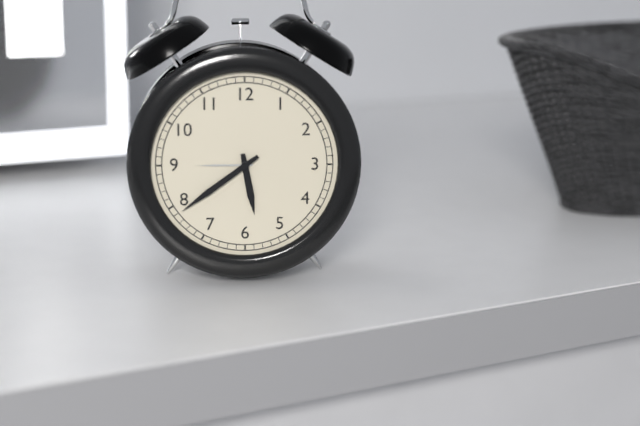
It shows 5:39
